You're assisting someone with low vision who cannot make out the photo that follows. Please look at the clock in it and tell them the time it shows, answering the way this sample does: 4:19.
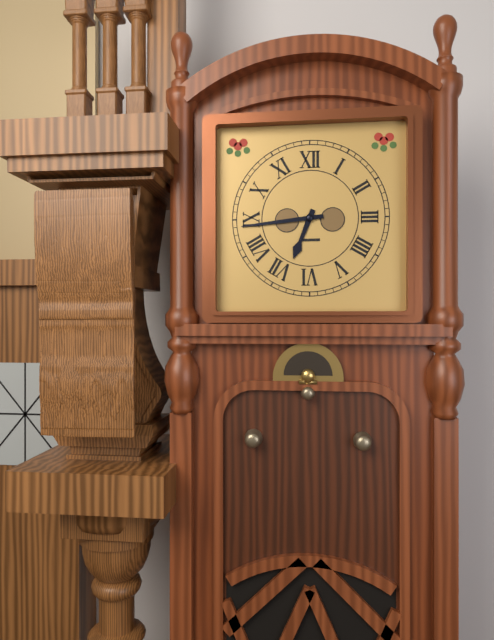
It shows 6:44
